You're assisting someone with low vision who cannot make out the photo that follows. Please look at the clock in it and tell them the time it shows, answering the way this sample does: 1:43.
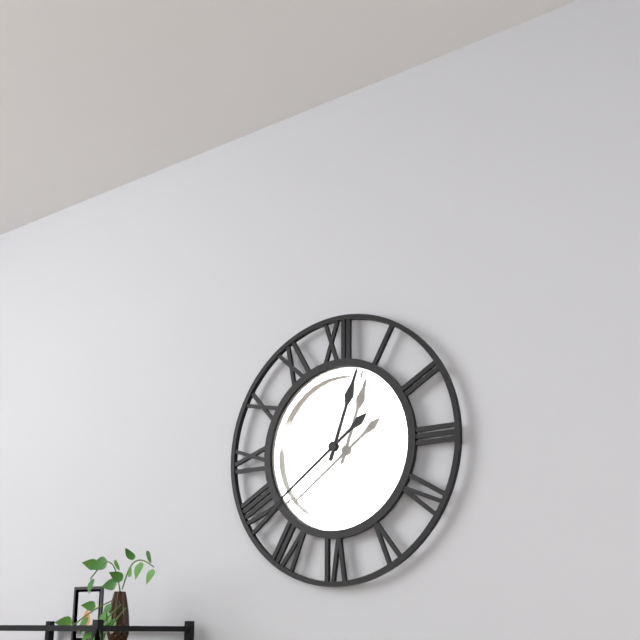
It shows 12:39
